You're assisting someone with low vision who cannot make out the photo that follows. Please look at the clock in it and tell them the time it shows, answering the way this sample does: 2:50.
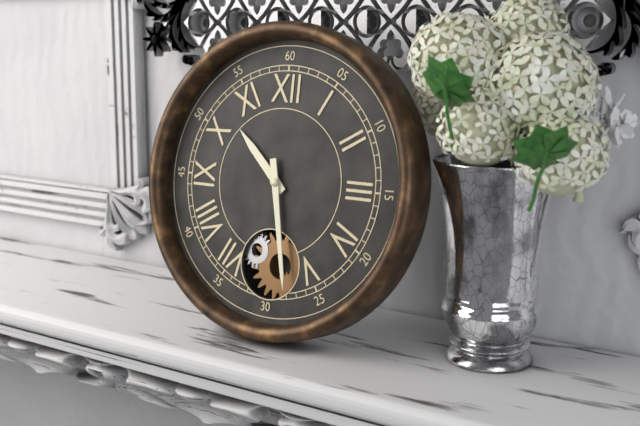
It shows 10:28
